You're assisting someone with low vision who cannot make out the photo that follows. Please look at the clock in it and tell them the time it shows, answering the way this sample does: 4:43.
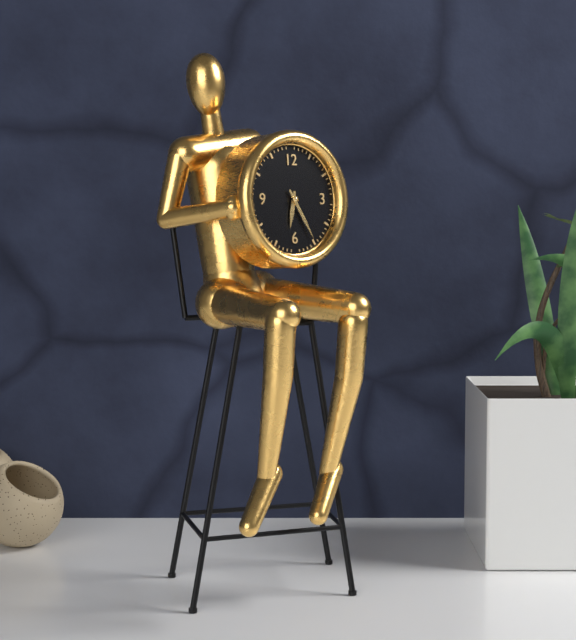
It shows 6:25
